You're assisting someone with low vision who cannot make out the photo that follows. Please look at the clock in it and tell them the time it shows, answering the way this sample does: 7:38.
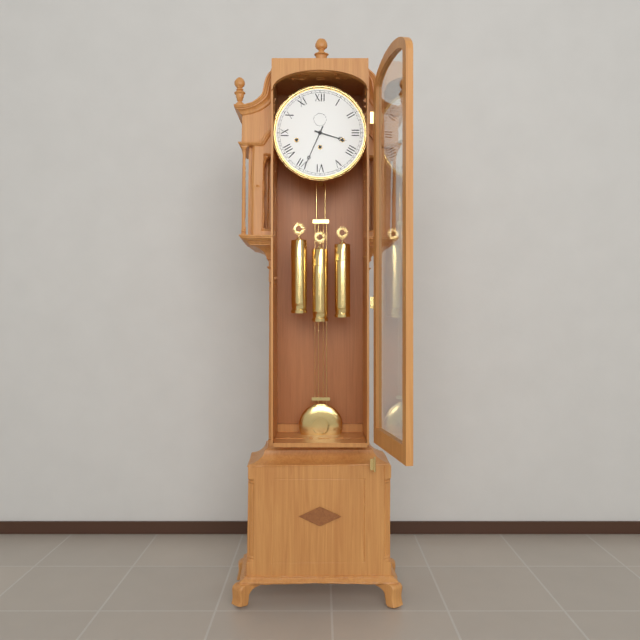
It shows 3:34
